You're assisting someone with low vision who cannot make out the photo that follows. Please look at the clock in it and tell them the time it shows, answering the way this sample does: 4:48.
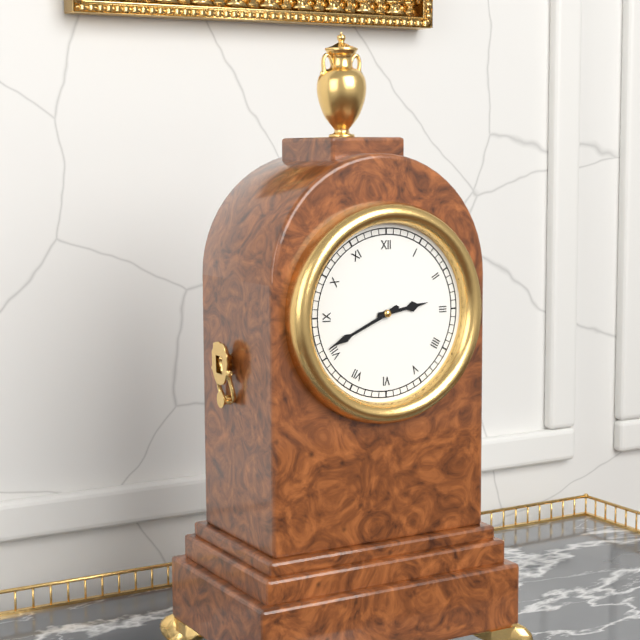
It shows 2:41
